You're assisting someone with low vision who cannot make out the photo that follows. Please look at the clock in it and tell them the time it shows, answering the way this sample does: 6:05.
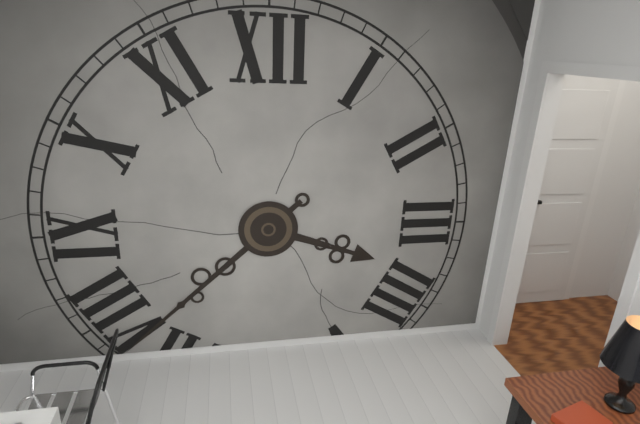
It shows 3:38
